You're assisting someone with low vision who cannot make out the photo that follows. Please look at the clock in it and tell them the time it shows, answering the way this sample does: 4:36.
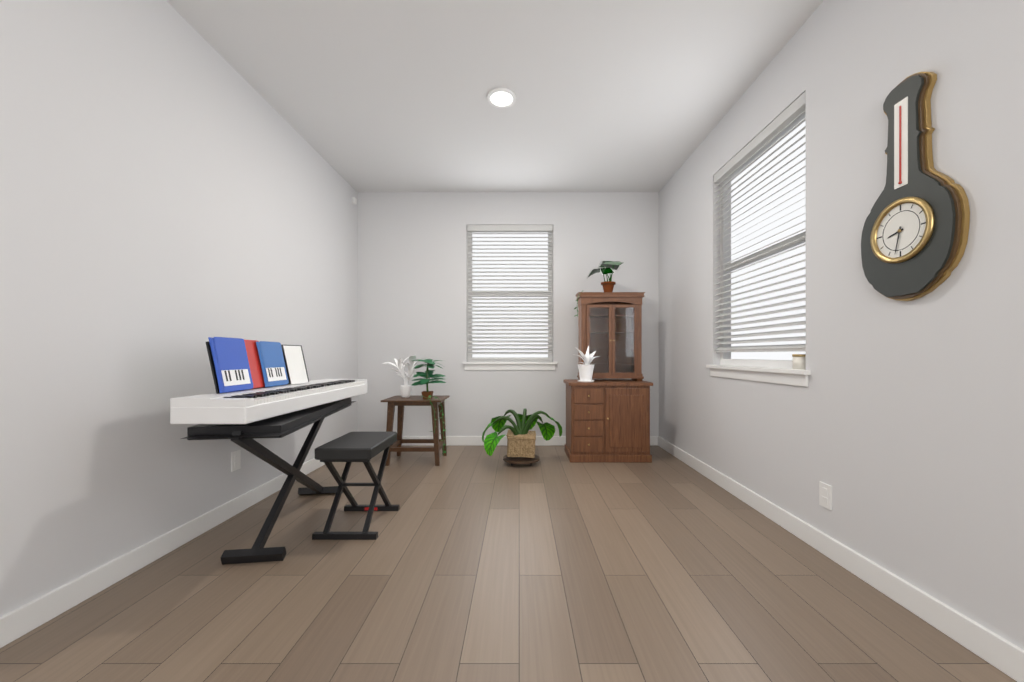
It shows 8:32
